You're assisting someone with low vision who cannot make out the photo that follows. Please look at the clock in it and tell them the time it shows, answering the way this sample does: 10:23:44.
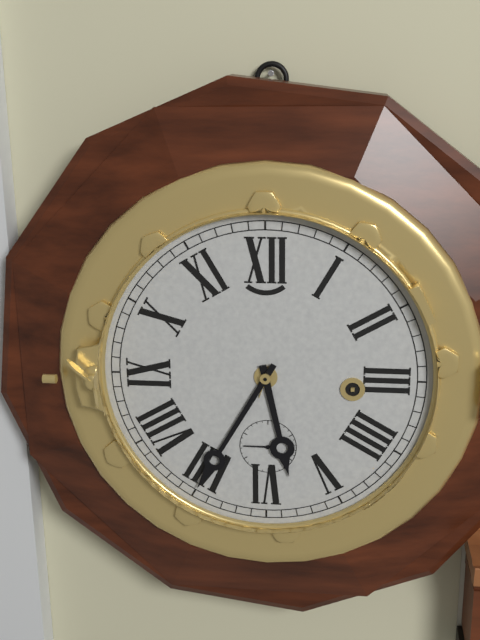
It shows 5:35:45
